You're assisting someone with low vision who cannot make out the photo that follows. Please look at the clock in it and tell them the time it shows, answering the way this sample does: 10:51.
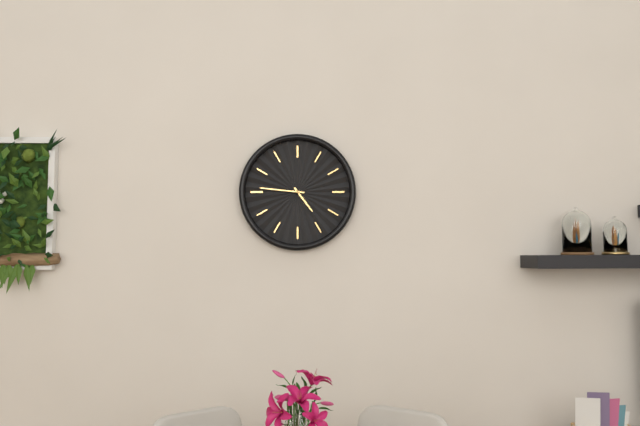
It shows 4:46
